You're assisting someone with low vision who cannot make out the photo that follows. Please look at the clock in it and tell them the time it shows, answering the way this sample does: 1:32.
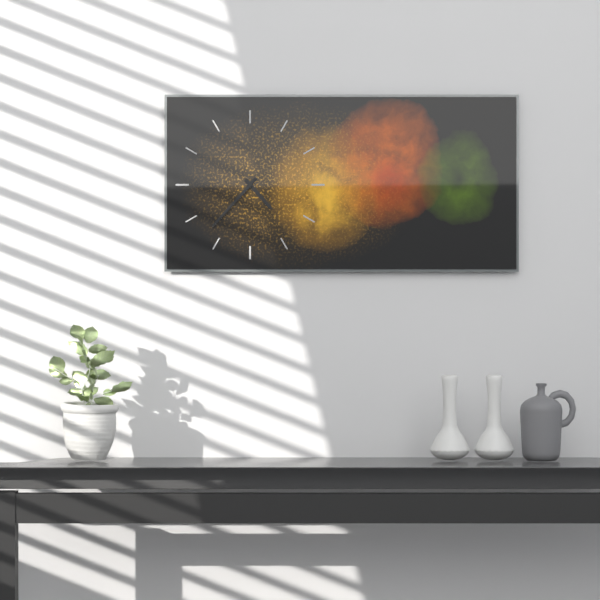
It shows 4:37
